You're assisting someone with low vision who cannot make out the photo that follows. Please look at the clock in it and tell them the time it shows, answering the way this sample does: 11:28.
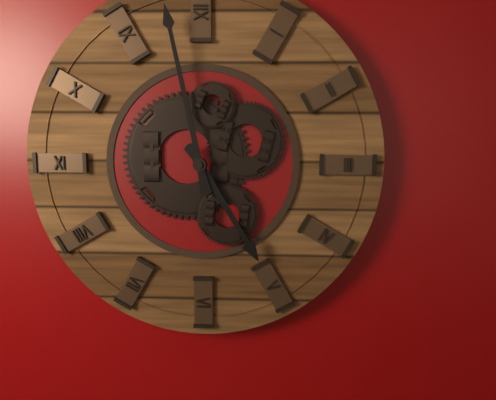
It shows 4:58
